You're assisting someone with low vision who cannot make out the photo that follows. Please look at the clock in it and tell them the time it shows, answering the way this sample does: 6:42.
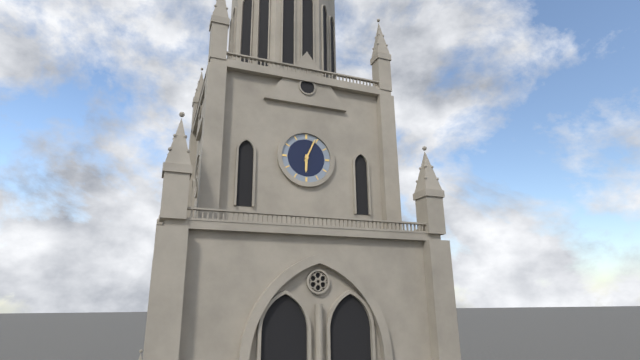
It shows 6:04
